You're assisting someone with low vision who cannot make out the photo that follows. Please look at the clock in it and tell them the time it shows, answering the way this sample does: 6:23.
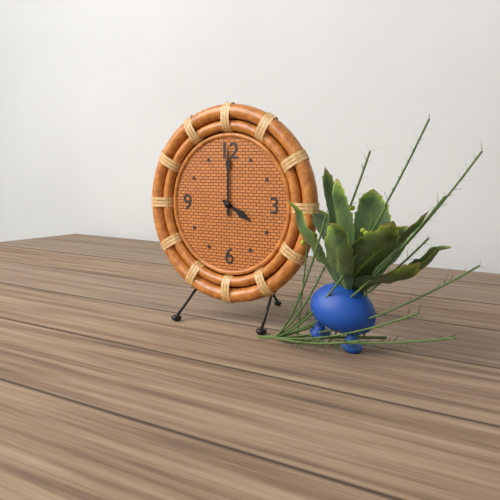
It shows 4:00
